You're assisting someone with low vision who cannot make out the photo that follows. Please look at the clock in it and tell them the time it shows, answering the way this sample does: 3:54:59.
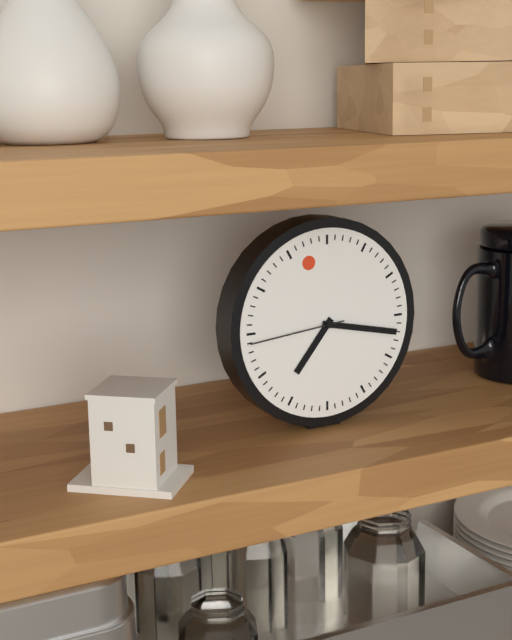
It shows 7:17:44
